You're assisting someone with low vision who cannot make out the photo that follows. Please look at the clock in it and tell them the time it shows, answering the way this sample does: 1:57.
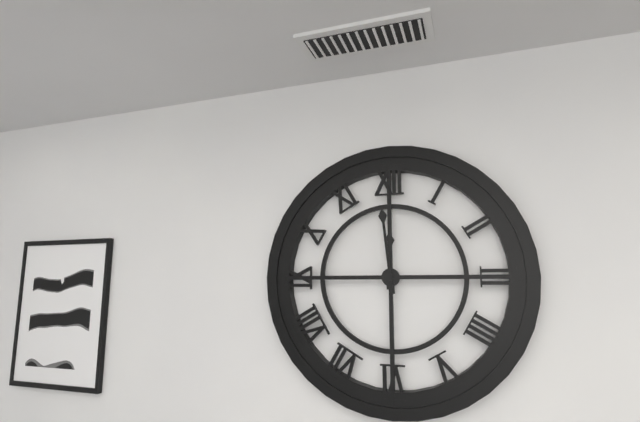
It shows 11:59
